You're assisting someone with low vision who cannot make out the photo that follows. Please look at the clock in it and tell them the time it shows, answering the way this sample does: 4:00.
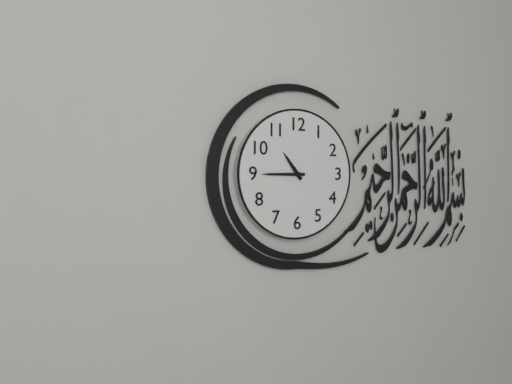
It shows 10:45
